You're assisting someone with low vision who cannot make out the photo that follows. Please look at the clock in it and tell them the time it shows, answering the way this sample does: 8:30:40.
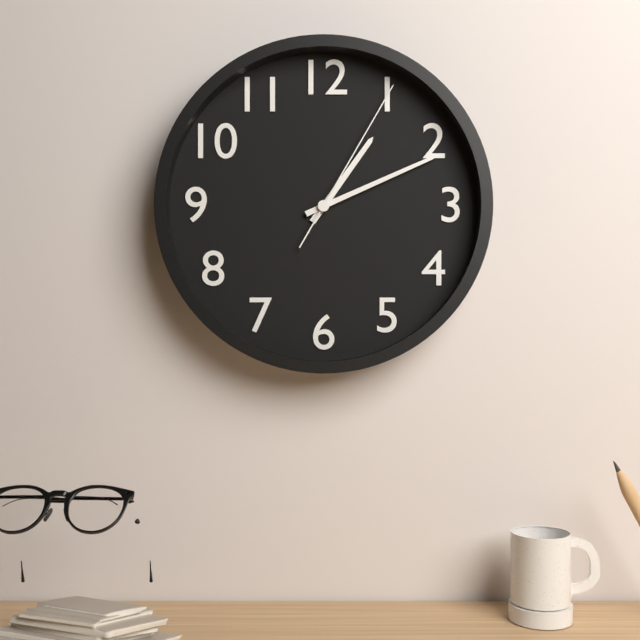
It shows 1:11:05
